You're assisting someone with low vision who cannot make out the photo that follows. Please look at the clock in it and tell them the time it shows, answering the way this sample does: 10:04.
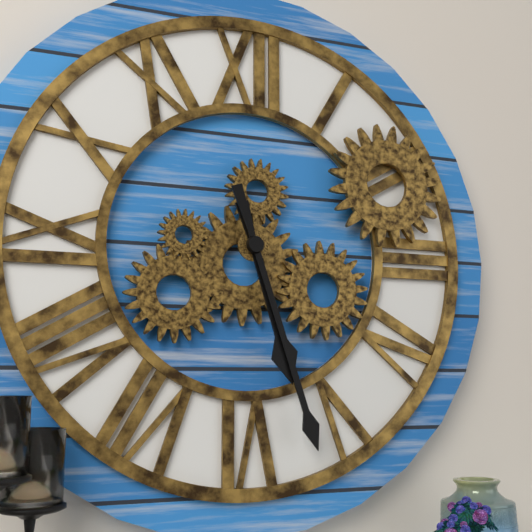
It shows 5:27
